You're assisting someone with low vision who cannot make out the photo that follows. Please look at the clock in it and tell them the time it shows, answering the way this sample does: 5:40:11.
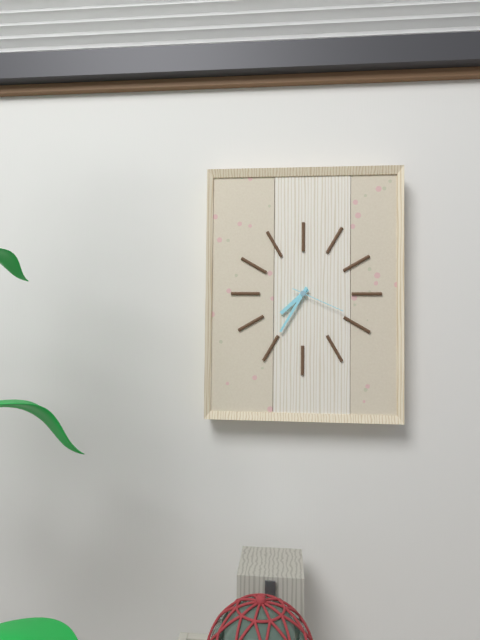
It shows 7:35:19
